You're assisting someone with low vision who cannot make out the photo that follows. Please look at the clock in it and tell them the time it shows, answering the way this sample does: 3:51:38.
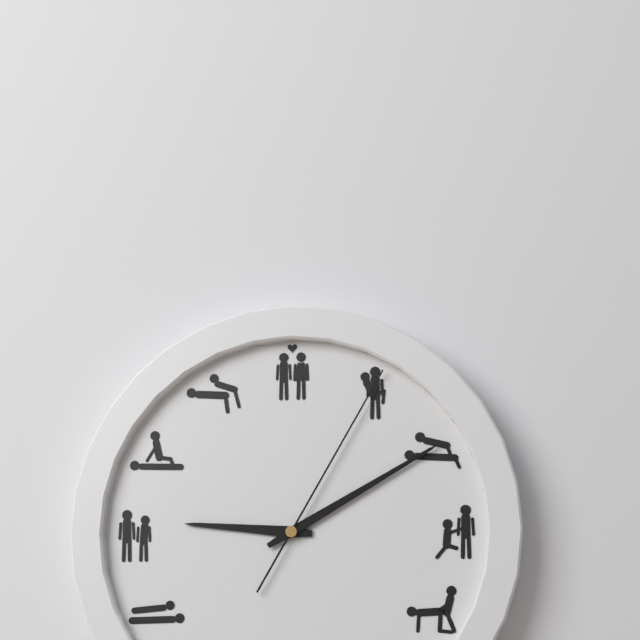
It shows 9:10:05
